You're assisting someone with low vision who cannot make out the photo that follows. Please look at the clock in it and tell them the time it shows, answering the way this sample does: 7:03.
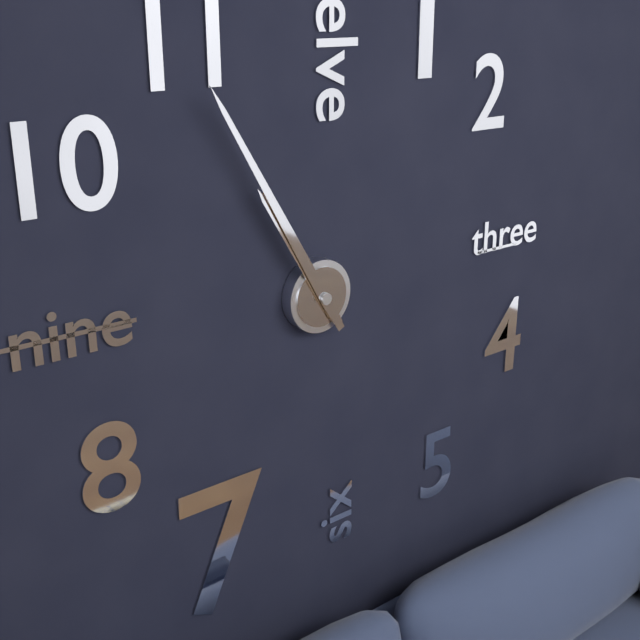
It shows 10:55
